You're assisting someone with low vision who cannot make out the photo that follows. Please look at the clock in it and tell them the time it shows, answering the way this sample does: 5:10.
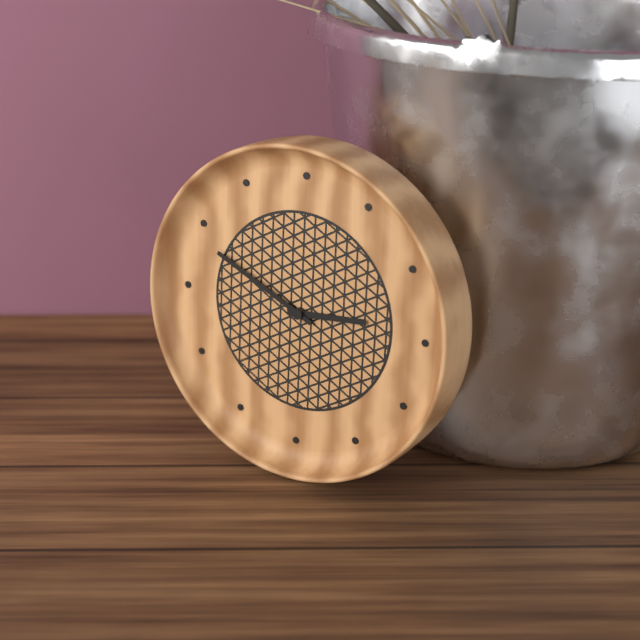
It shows 2:49
